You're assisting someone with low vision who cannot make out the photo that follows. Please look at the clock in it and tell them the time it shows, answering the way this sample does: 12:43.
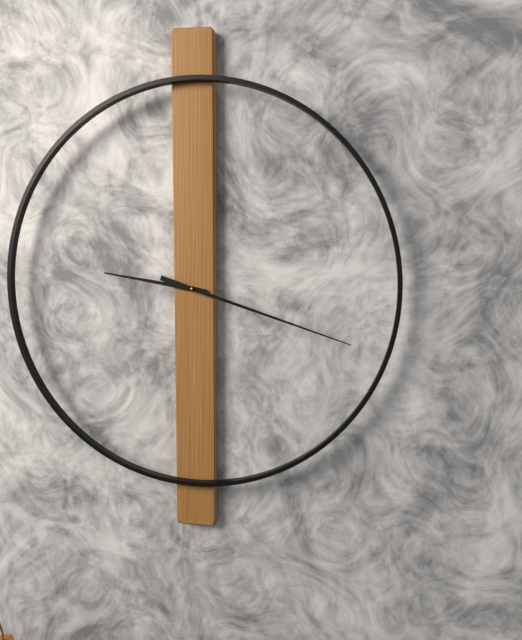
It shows 9:18
